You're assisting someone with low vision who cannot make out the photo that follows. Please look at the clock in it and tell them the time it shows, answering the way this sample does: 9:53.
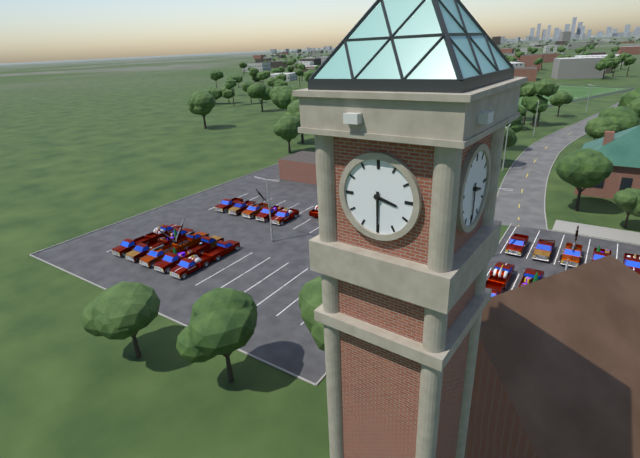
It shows 3:30
